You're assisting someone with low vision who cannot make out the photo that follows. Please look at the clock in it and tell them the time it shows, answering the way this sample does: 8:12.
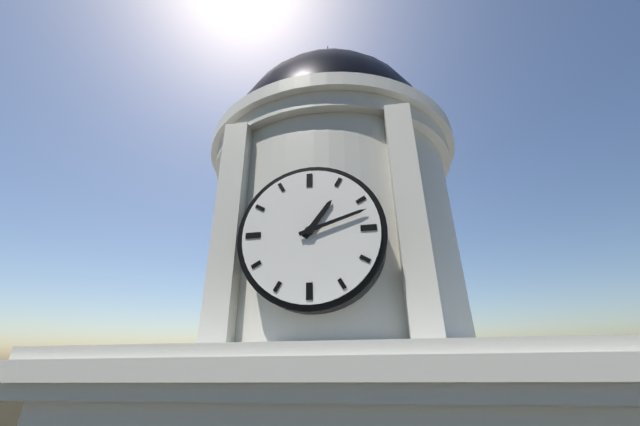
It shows 1:12
